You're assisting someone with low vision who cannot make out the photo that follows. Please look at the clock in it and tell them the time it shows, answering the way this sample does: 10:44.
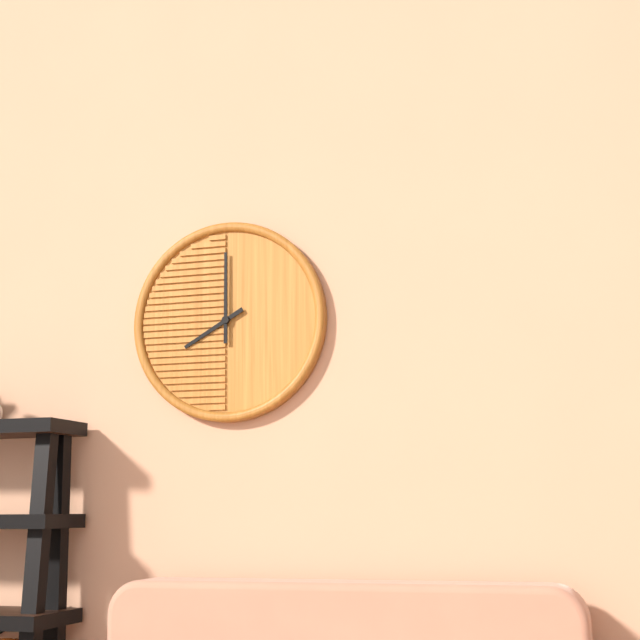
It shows 8:00
